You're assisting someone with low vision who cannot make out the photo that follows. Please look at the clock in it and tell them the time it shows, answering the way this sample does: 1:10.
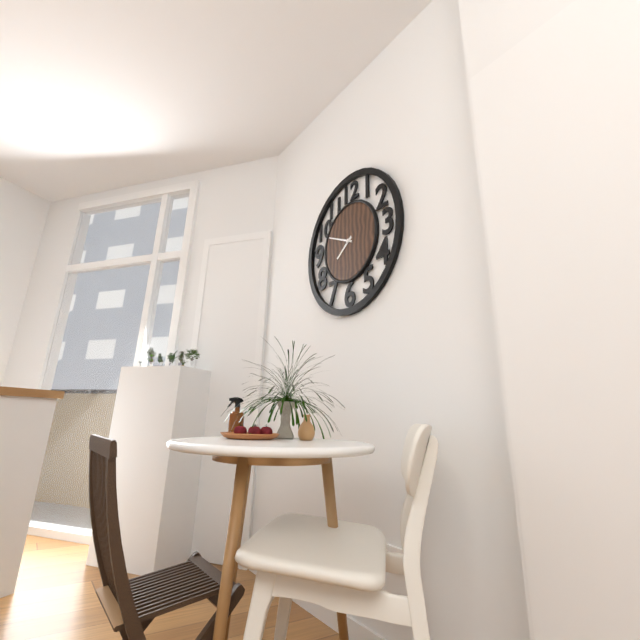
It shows 7:49
